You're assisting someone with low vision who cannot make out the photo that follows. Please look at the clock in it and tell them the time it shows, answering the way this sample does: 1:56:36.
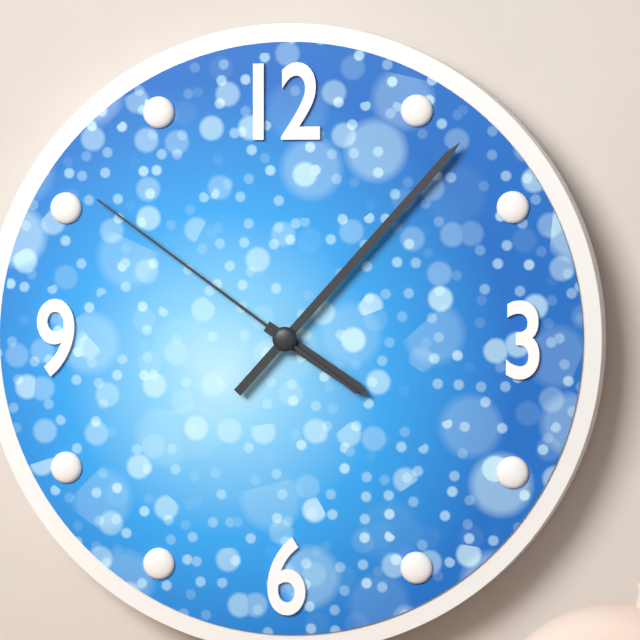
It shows 4:07:51
